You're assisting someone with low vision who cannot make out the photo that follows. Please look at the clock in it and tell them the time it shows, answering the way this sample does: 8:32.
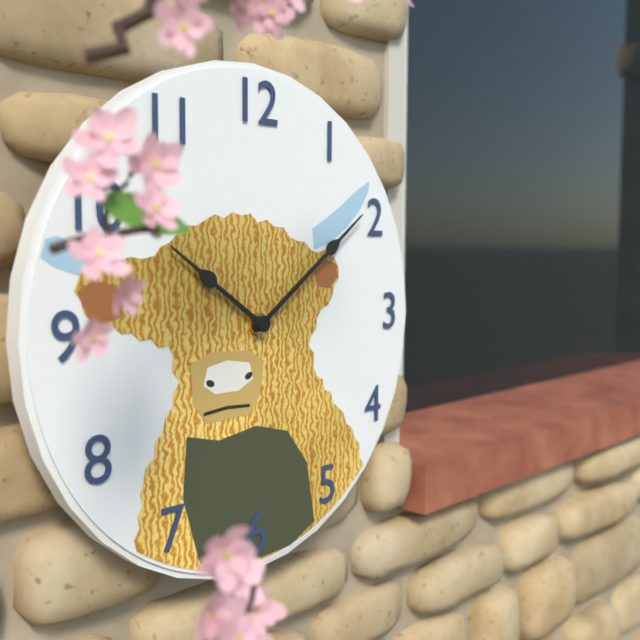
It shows 10:09
